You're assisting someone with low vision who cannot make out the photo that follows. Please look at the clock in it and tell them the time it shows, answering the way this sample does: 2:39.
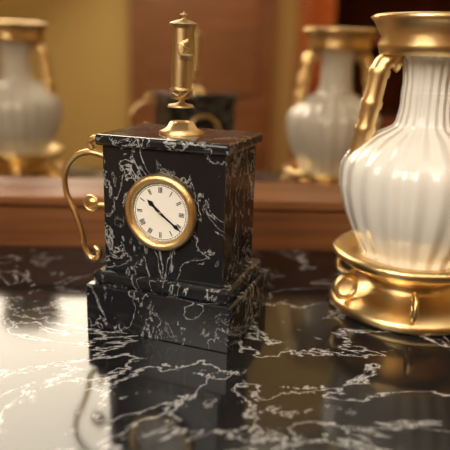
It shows 10:21
